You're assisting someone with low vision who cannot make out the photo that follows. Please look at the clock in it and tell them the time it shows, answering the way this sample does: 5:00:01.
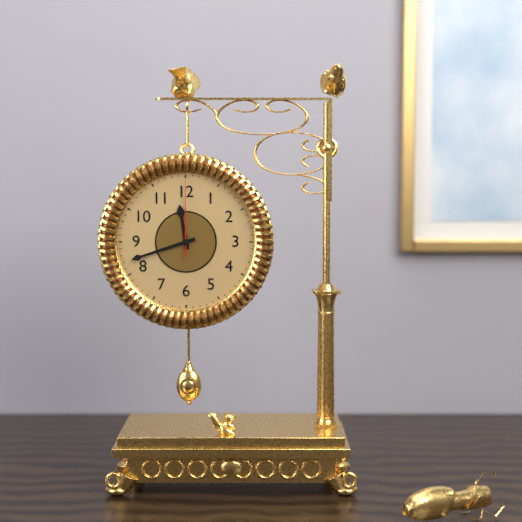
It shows 11:42:00
